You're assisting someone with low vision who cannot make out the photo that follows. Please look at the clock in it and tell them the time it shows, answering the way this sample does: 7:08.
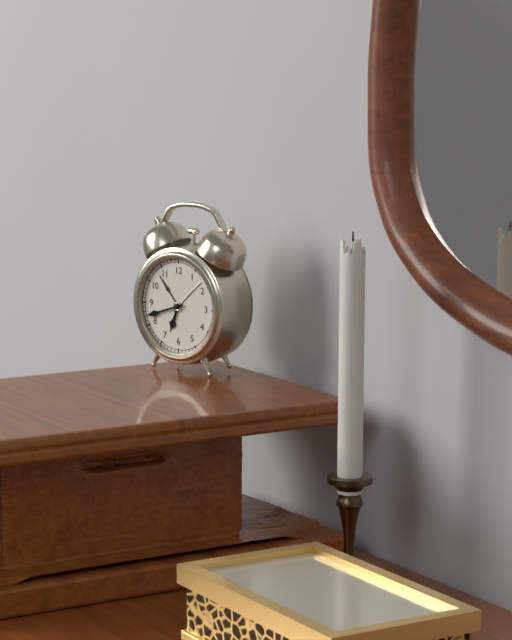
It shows 6:42
